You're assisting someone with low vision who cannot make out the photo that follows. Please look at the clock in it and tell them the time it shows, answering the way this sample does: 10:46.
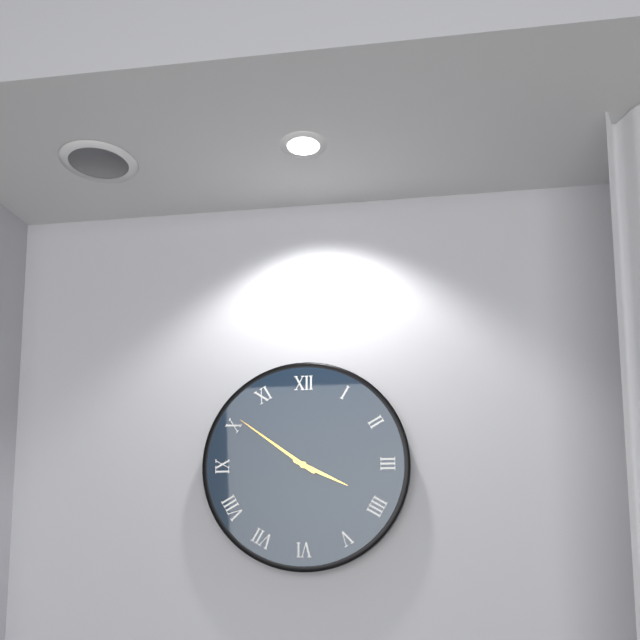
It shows 3:51
